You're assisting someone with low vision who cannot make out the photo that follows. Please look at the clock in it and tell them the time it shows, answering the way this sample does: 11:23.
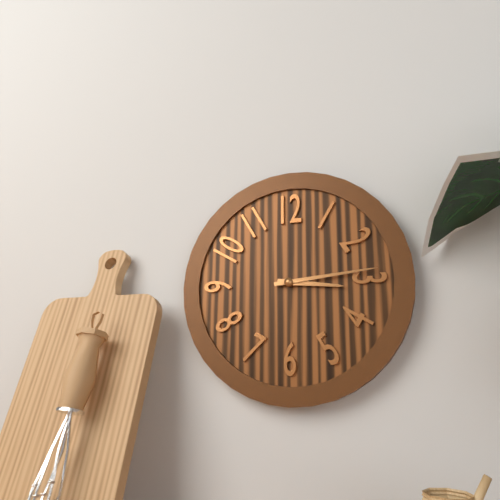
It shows 3:14
